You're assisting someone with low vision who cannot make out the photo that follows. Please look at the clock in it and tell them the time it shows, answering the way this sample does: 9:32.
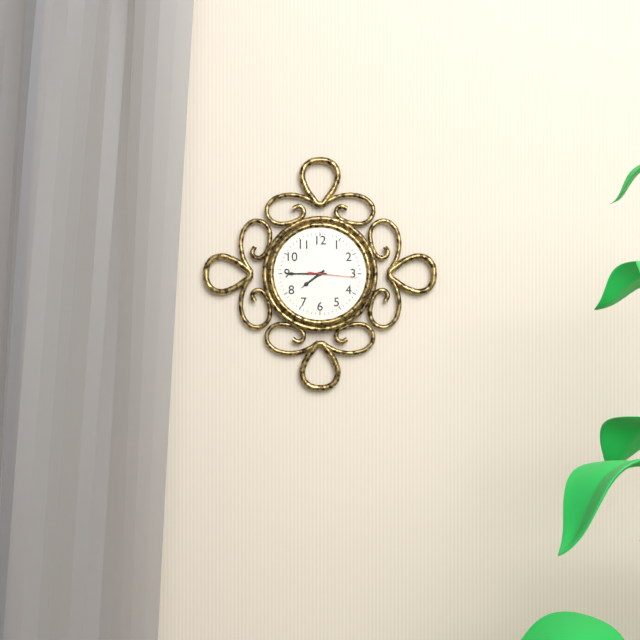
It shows 7:45
